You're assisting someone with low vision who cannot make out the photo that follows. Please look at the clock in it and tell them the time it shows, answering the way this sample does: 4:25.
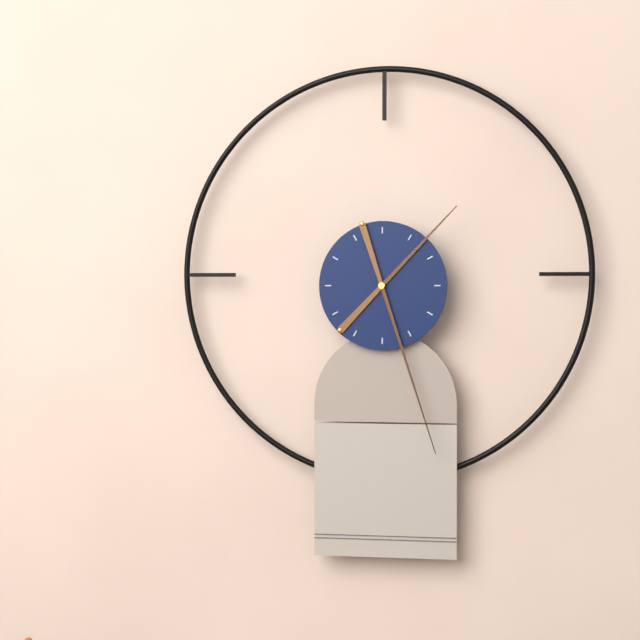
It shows 1:27
